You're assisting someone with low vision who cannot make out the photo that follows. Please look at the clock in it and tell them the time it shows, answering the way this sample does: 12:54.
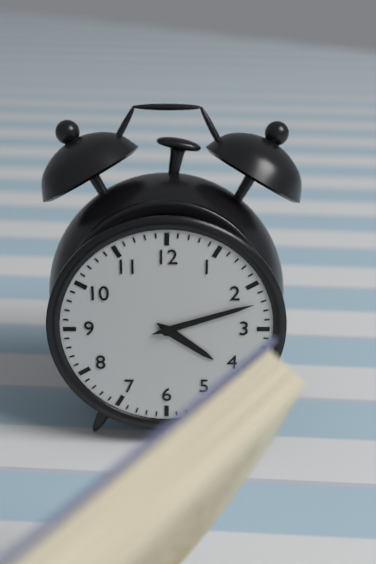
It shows 4:12
